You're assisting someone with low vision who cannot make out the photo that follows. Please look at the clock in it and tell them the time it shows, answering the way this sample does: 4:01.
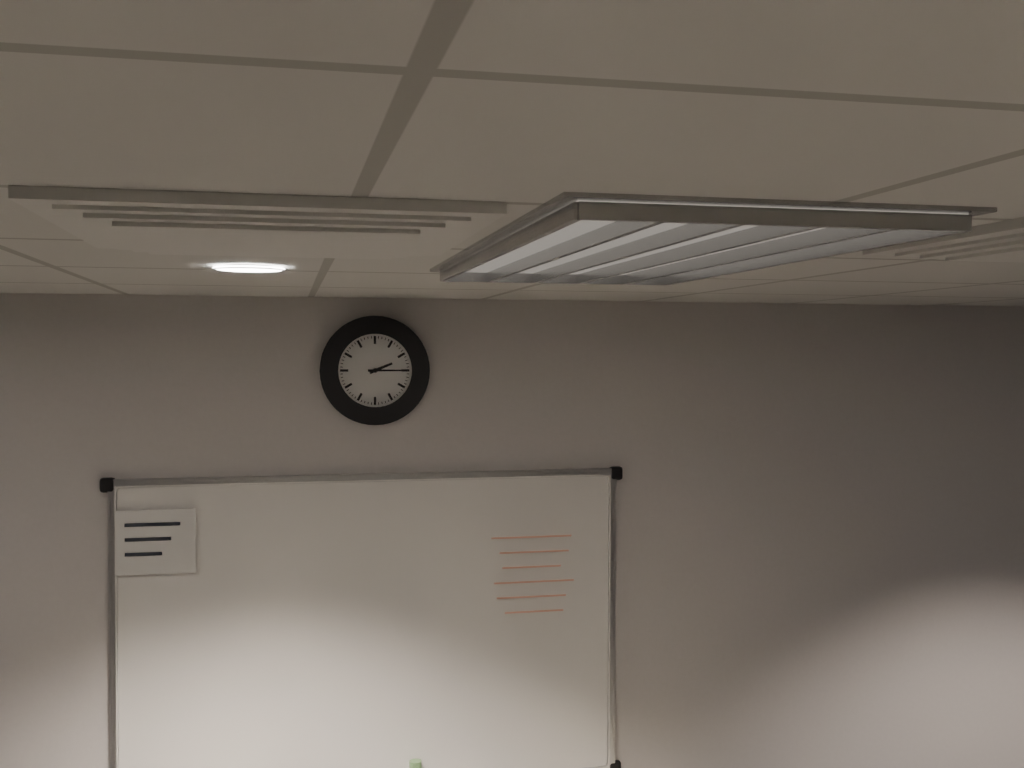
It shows 2:15
